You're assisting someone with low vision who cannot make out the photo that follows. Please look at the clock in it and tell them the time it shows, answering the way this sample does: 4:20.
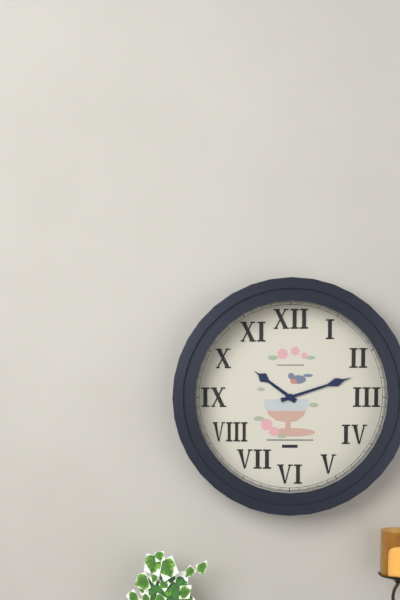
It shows 10:12
